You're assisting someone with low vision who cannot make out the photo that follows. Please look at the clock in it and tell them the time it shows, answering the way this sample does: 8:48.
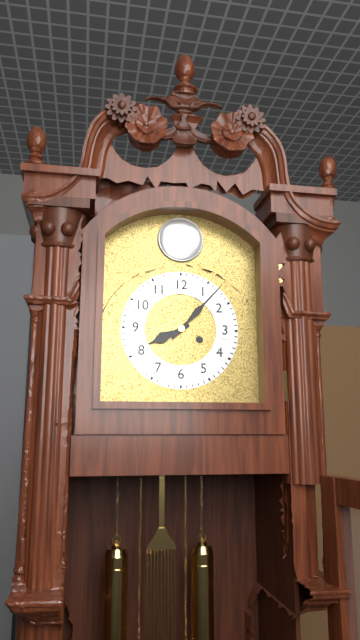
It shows 8:07
